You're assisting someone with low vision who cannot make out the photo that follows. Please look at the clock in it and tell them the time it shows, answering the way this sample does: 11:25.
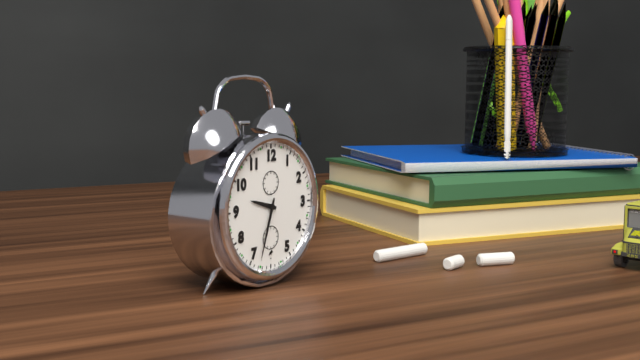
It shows 9:33
